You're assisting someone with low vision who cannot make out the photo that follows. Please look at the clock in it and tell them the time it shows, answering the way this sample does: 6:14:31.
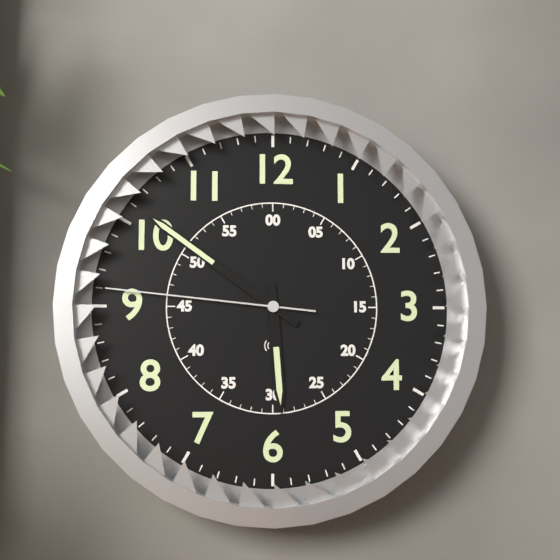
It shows 5:51:46
